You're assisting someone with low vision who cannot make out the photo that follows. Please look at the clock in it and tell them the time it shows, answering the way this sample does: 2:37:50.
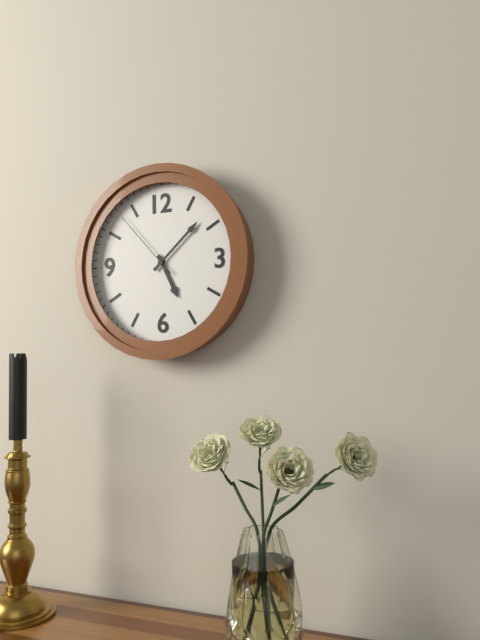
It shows 5:08:53
